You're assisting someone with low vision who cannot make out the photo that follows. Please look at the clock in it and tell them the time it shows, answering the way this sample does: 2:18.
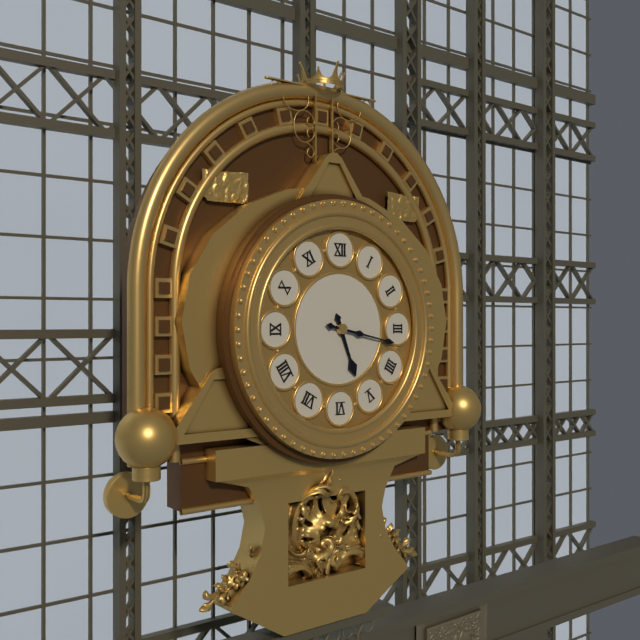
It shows 5:17
